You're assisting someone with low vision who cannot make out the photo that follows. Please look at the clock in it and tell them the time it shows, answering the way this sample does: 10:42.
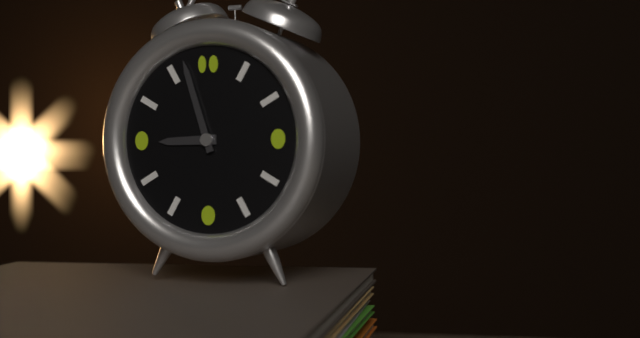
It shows 8:57
